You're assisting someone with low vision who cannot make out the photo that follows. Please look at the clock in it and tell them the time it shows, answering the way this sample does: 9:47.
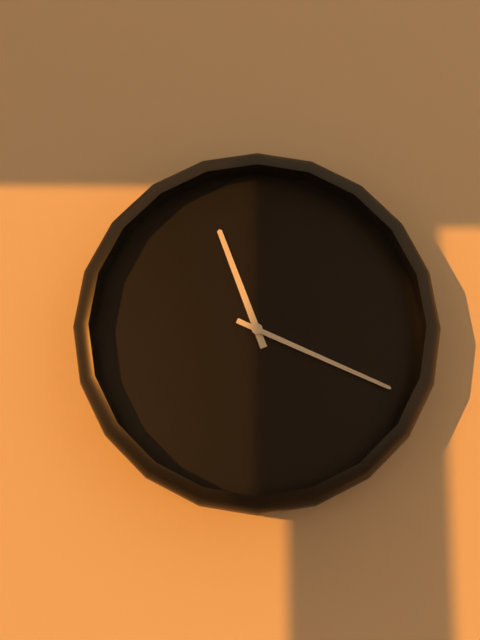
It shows 11:19
